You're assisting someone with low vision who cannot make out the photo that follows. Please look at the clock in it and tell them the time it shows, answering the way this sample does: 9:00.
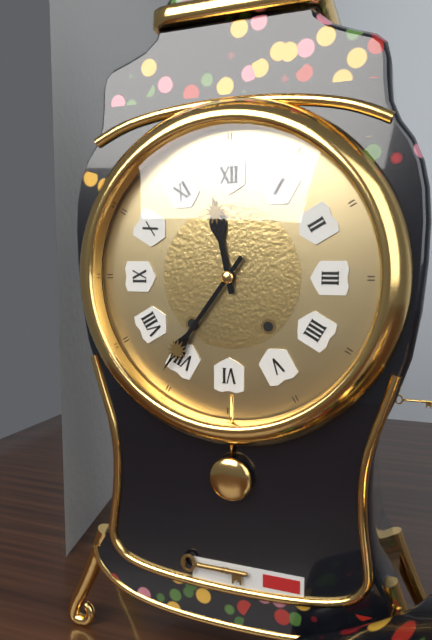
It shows 11:36
